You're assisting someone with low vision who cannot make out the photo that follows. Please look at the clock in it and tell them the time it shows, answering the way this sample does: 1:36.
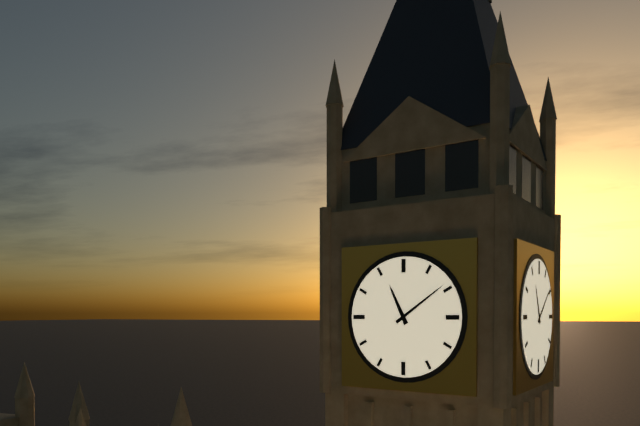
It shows 11:09
